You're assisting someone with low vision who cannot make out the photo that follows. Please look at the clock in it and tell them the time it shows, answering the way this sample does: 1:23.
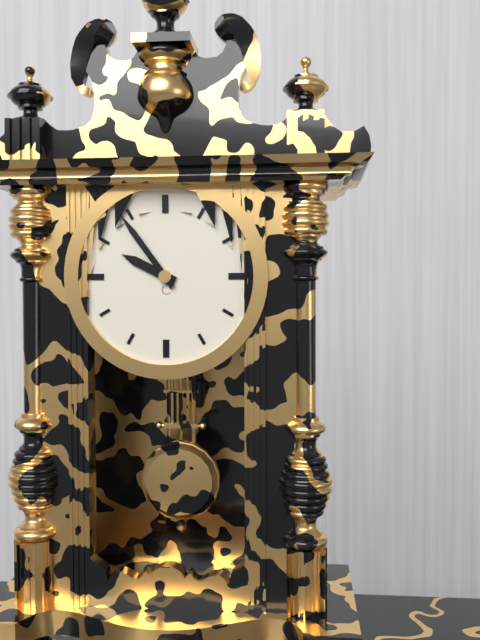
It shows 9:54
